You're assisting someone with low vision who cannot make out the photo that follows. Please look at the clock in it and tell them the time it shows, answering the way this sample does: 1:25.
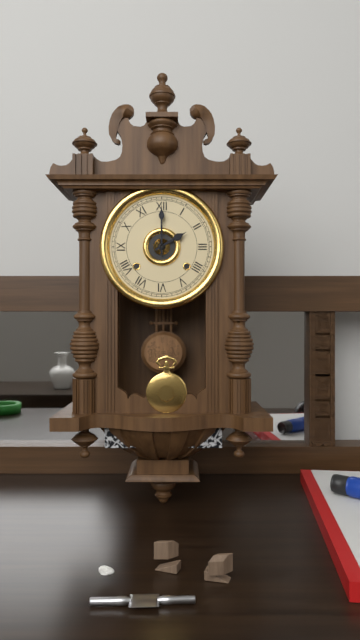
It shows 2:00
